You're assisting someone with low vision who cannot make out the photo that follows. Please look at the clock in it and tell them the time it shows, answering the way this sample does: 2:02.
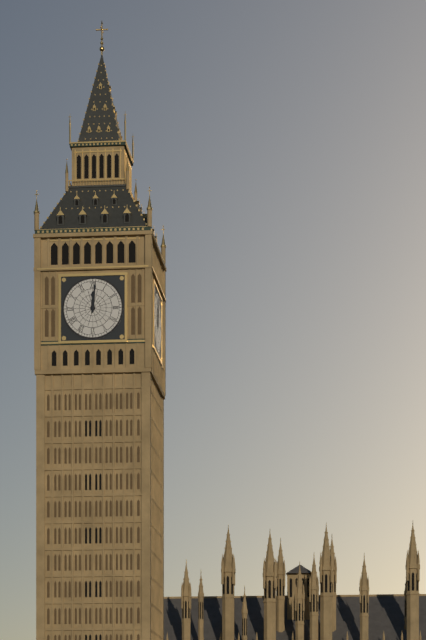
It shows 12:01
